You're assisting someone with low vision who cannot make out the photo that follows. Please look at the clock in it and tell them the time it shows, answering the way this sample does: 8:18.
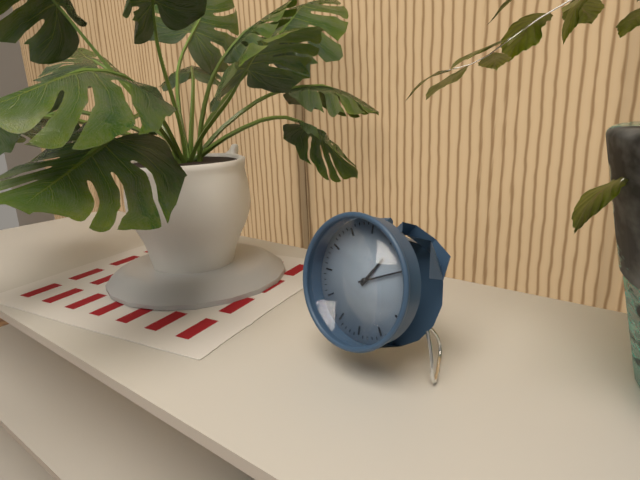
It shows 1:11
